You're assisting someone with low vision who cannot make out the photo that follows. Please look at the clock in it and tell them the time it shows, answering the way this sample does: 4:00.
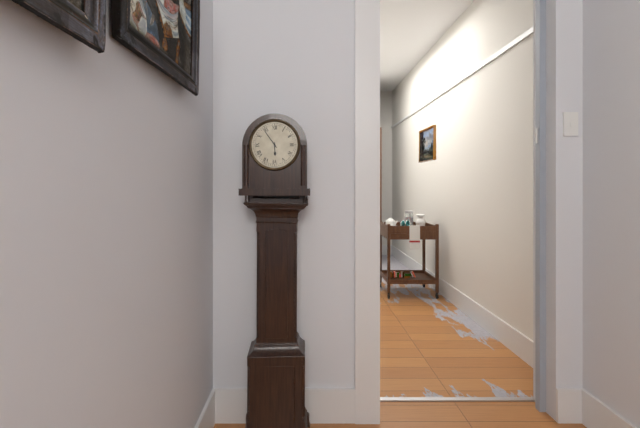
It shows 5:54
